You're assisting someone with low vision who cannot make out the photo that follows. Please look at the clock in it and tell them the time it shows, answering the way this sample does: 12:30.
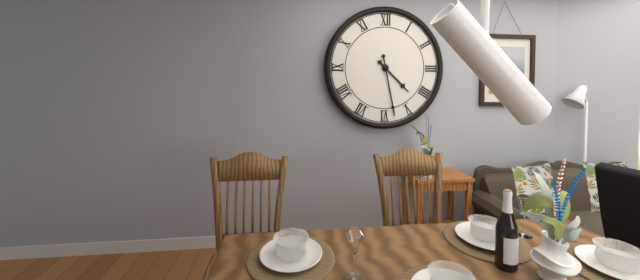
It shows 4:28
